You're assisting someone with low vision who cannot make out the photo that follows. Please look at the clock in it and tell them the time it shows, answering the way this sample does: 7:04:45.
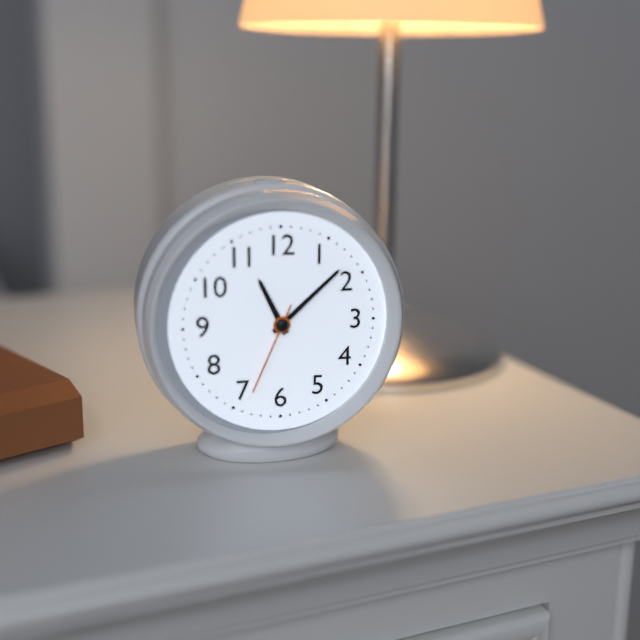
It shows 11:08:34
